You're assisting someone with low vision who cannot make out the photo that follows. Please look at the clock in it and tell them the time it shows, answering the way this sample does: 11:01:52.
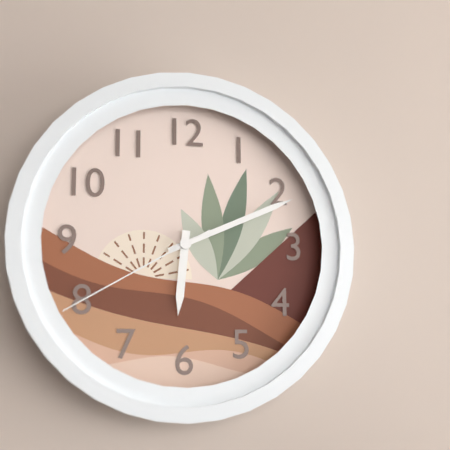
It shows 6:11:40
